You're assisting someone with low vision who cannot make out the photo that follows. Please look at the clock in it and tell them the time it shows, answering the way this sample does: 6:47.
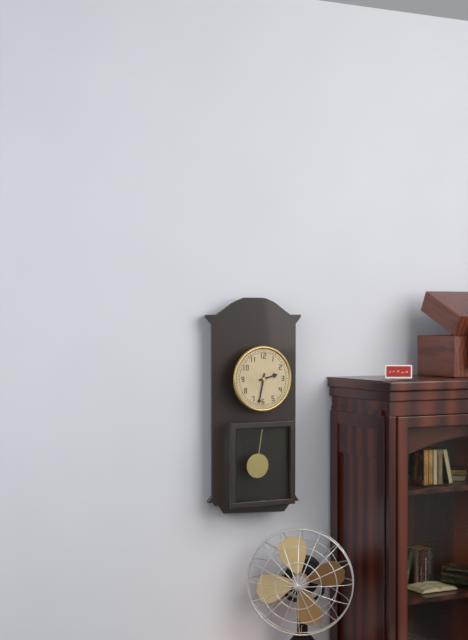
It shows 2:32
